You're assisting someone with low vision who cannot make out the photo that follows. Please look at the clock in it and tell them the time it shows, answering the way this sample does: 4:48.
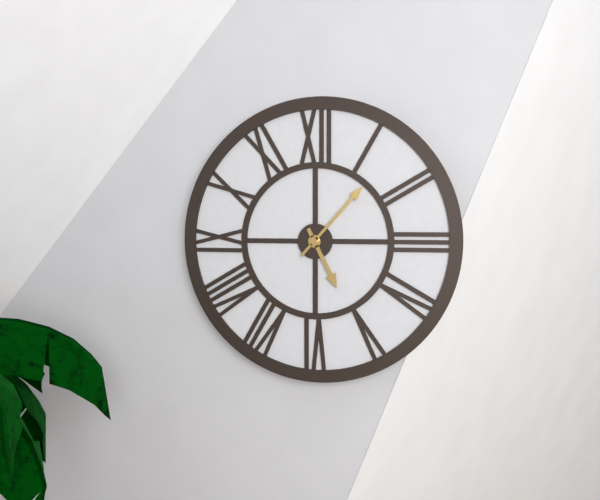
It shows 5:07
